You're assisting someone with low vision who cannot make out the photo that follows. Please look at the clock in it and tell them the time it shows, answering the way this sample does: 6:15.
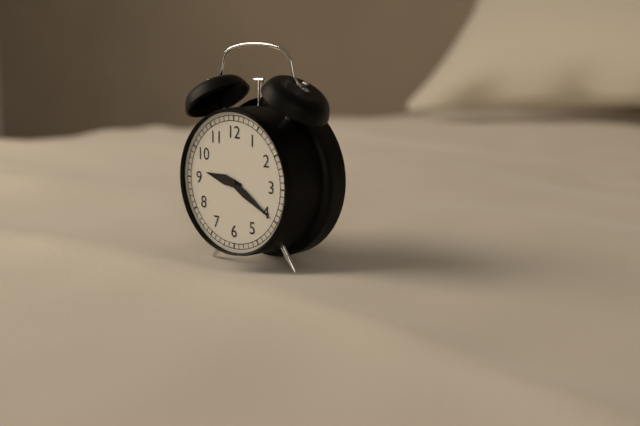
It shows 9:20
